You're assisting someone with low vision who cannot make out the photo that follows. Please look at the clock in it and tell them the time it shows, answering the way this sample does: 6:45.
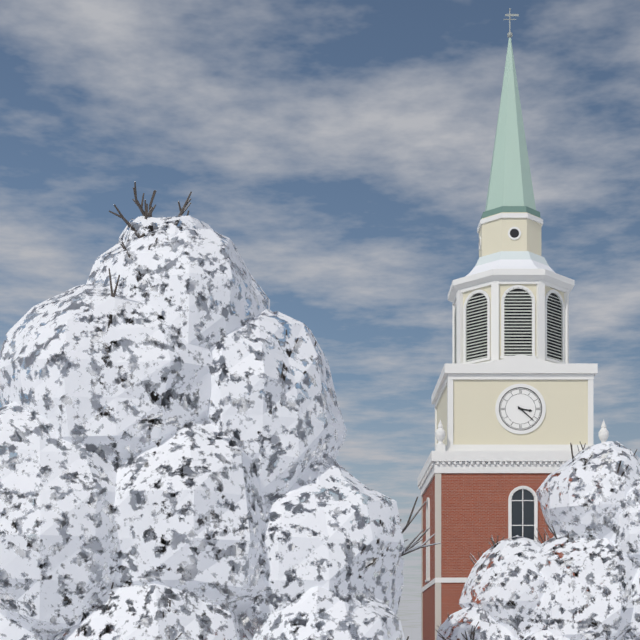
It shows 3:22
